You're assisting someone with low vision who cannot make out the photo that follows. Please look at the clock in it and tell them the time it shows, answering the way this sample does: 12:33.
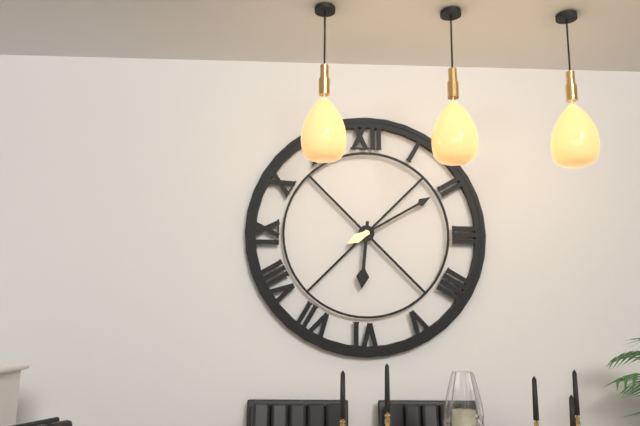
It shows 6:10
